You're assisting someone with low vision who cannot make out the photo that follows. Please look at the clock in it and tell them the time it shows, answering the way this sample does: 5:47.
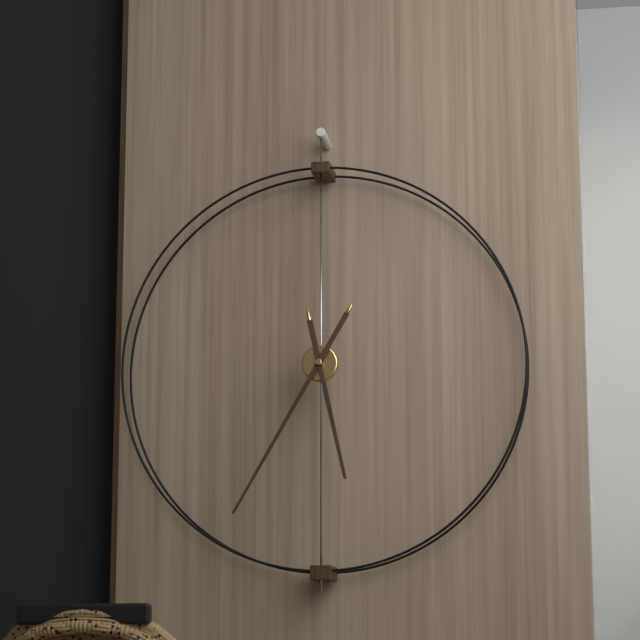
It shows 5:35
